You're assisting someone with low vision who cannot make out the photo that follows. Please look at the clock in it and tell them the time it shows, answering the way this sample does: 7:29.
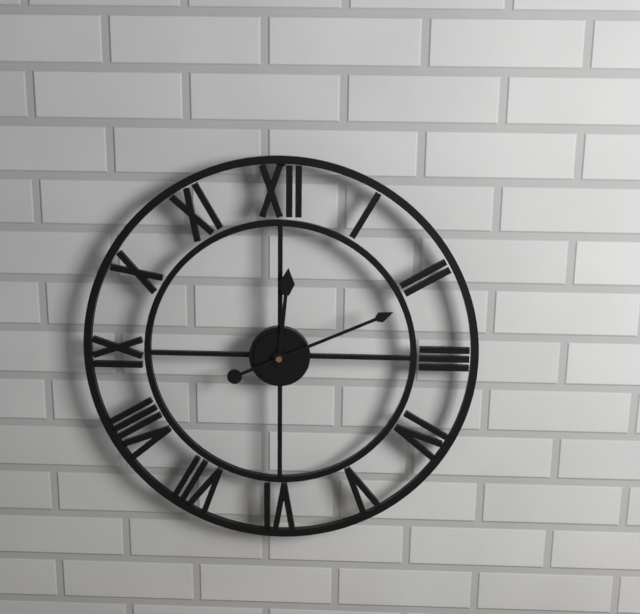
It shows 12:11
